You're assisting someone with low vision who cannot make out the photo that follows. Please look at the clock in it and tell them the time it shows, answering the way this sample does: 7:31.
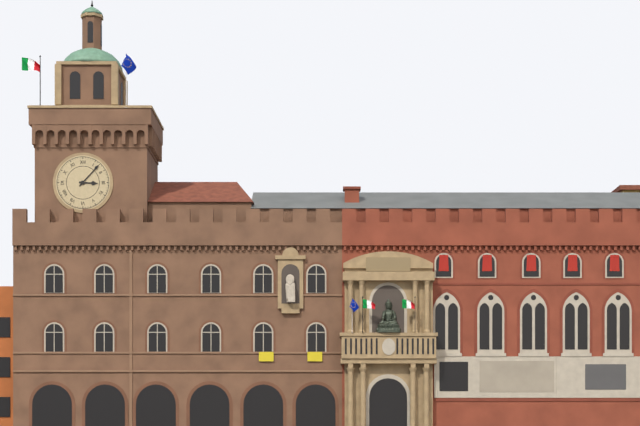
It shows 3:07
